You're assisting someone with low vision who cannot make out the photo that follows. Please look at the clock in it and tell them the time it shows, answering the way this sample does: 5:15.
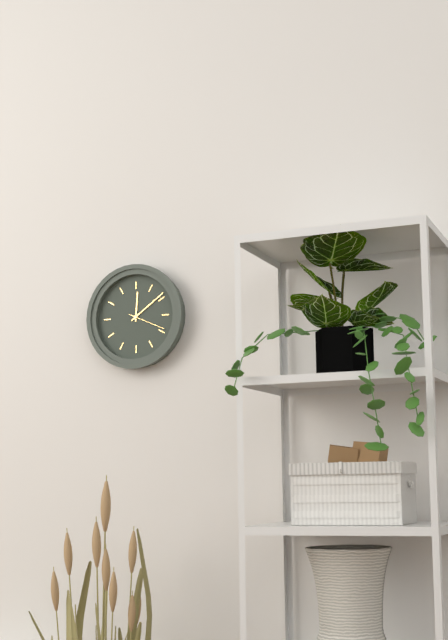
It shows 12:09
